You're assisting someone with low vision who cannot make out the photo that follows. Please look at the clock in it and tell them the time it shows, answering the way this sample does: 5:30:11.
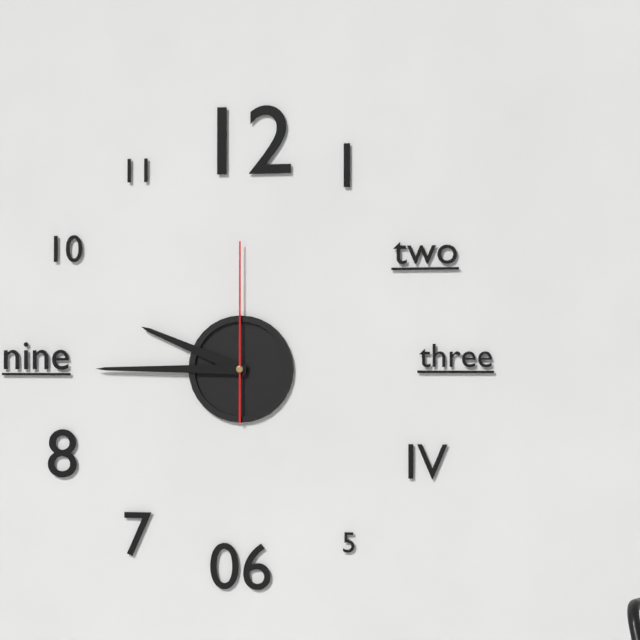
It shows 9:45:00
